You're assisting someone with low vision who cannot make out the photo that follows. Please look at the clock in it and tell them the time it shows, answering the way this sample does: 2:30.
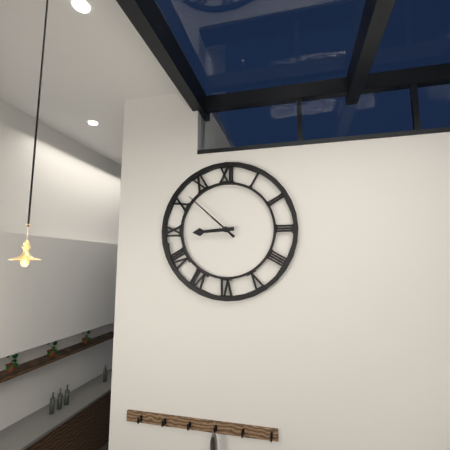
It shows 8:52
